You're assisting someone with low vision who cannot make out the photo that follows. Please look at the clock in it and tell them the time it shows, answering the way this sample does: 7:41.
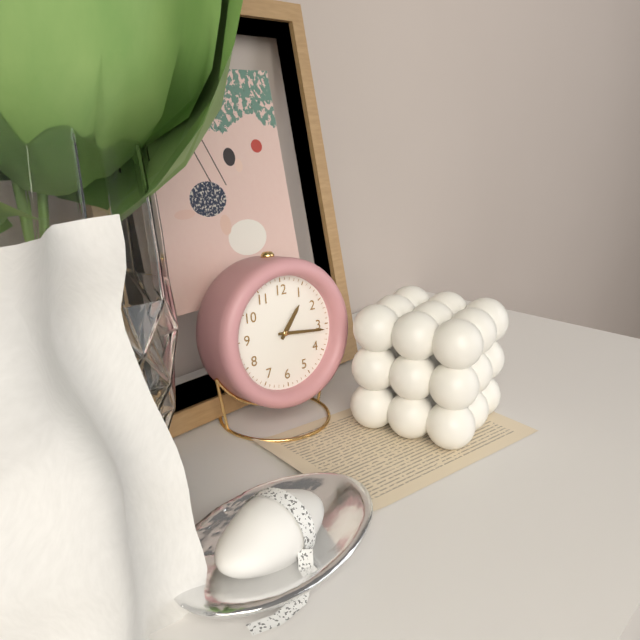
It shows 1:16
